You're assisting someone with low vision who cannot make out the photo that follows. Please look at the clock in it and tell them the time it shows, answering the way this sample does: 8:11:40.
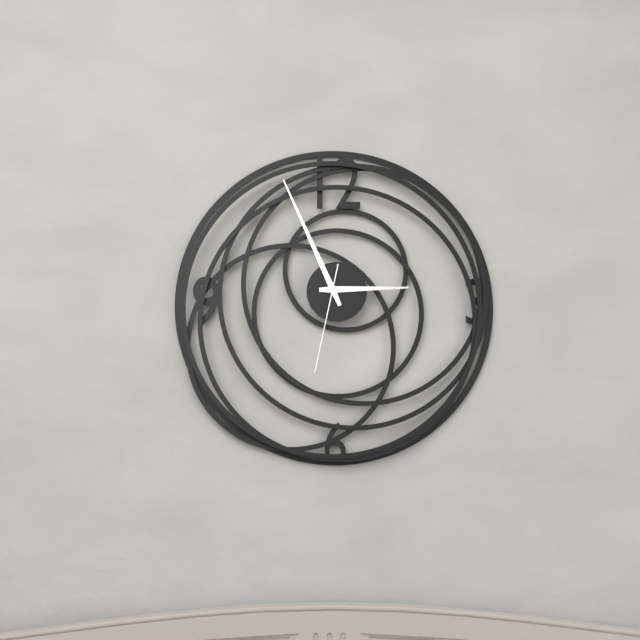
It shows 2:56:32
